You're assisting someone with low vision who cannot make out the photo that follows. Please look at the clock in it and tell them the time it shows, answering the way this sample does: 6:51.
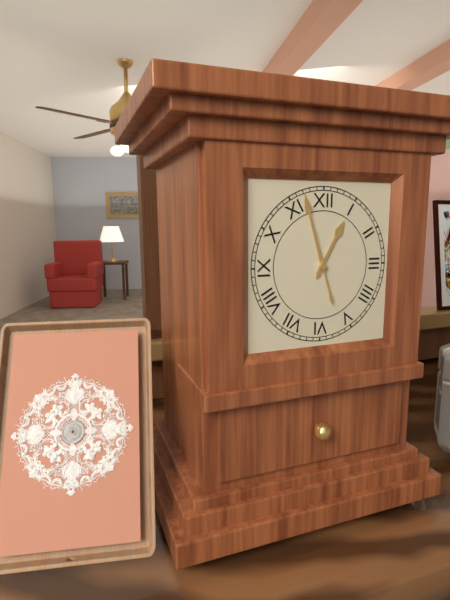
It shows 12:57
